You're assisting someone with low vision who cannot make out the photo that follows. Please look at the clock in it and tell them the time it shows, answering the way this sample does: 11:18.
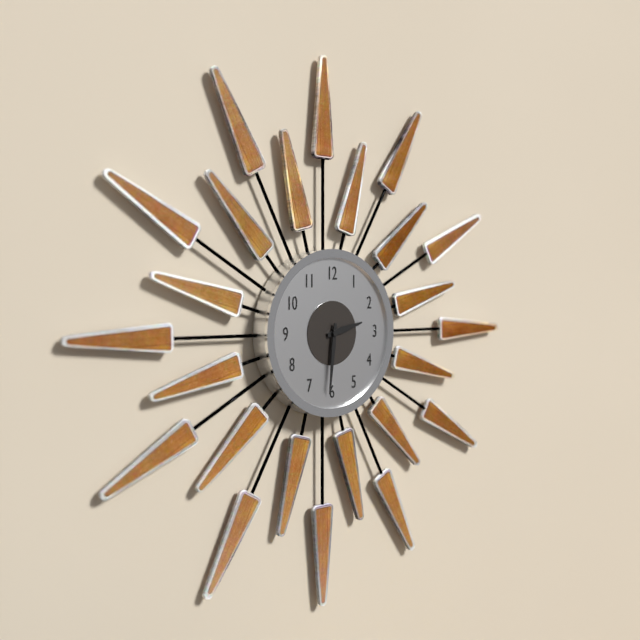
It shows 2:31
